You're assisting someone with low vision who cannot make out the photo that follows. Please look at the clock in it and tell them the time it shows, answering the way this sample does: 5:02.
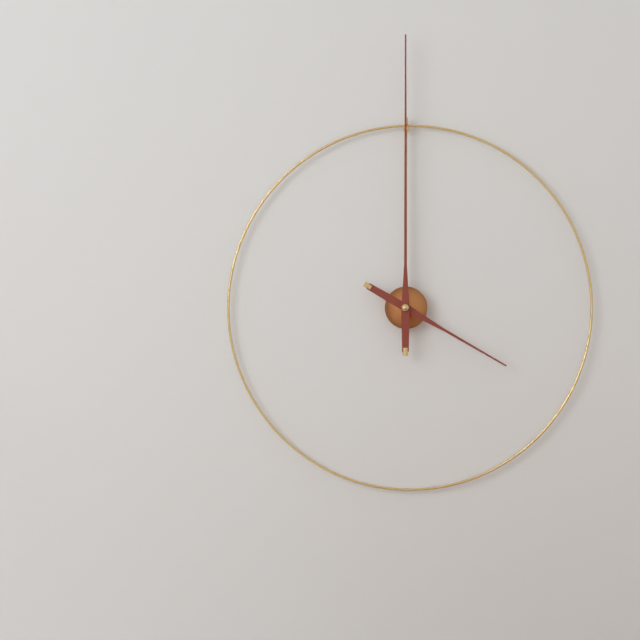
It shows 4:00
